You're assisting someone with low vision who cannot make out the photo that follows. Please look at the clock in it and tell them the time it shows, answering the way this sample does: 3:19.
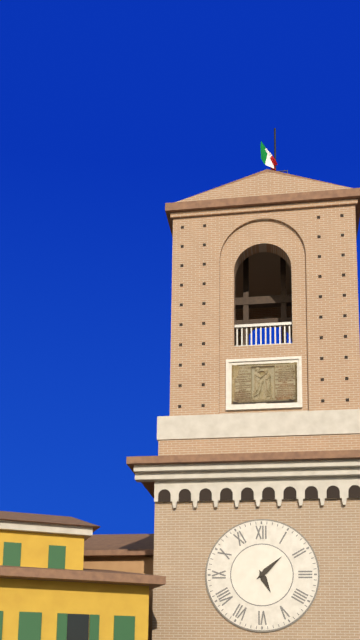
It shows 5:08
